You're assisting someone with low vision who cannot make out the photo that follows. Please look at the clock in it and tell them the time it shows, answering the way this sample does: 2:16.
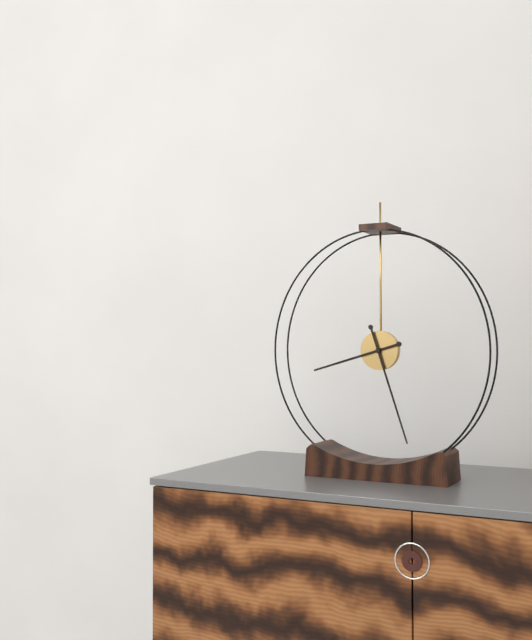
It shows 8:27
